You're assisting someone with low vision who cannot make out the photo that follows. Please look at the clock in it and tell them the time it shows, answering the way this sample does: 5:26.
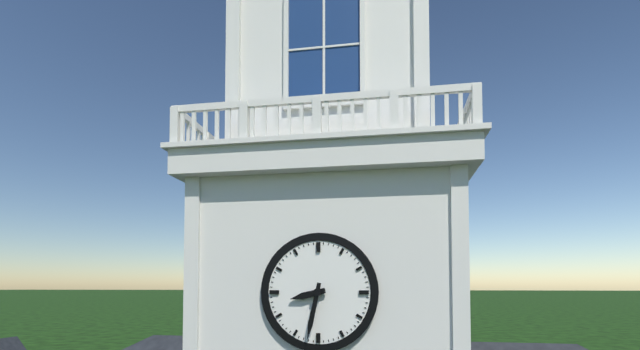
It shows 8:32
